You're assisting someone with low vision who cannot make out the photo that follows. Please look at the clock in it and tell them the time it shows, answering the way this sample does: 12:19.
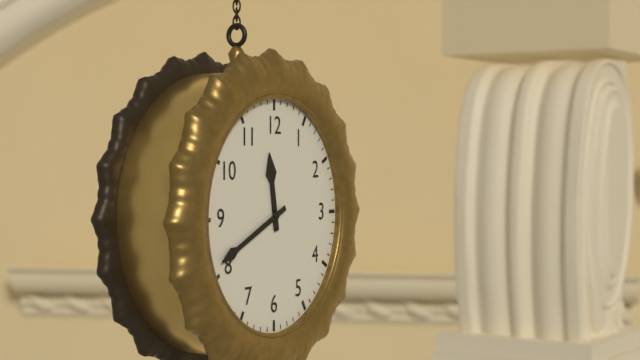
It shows 11:41
